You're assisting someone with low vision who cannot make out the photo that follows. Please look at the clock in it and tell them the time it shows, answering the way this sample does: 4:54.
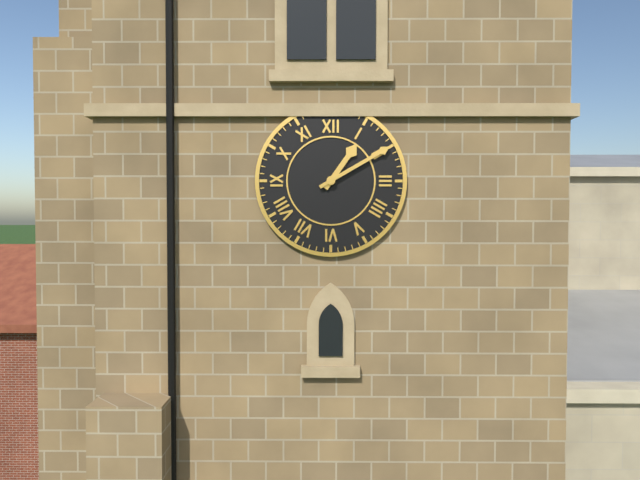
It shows 1:10
